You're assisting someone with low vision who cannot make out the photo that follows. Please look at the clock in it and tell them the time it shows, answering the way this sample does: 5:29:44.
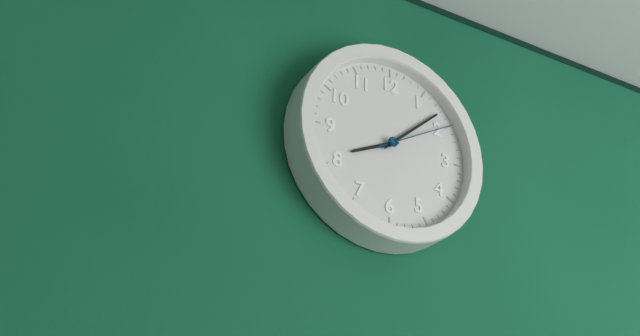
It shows 8:08:10
